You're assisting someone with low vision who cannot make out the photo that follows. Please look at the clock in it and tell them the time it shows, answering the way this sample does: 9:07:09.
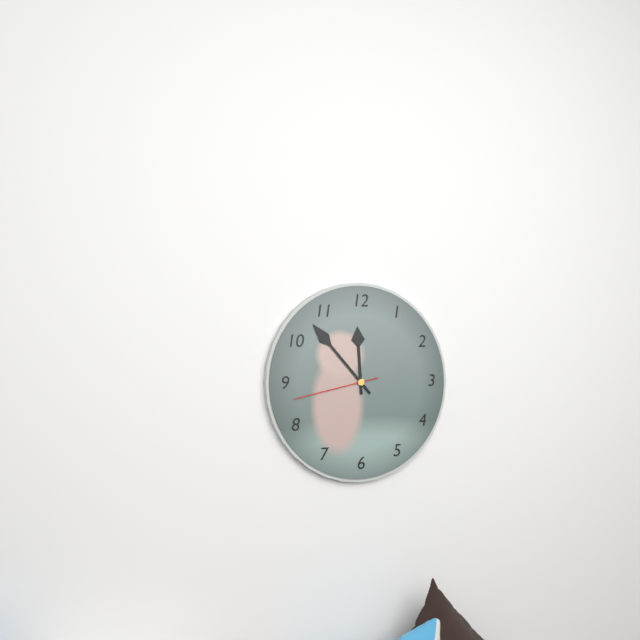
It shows 11:53:43
